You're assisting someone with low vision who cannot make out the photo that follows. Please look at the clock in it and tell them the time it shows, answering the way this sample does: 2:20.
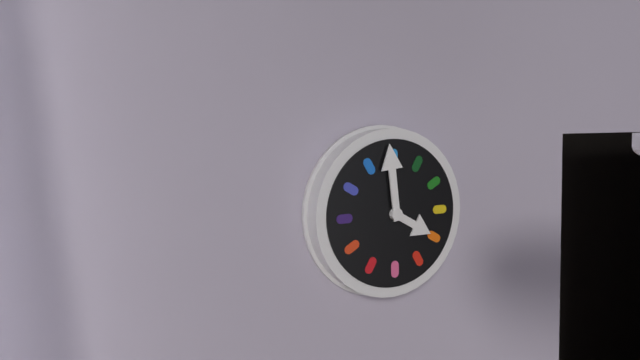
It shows 3:59
